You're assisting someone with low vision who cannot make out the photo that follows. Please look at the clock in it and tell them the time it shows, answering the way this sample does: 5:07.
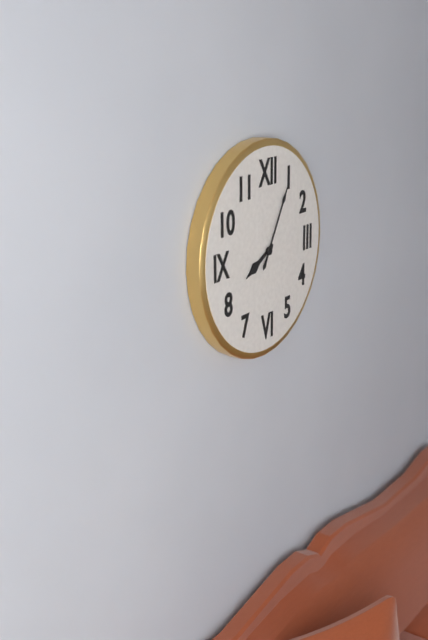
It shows 8:05
